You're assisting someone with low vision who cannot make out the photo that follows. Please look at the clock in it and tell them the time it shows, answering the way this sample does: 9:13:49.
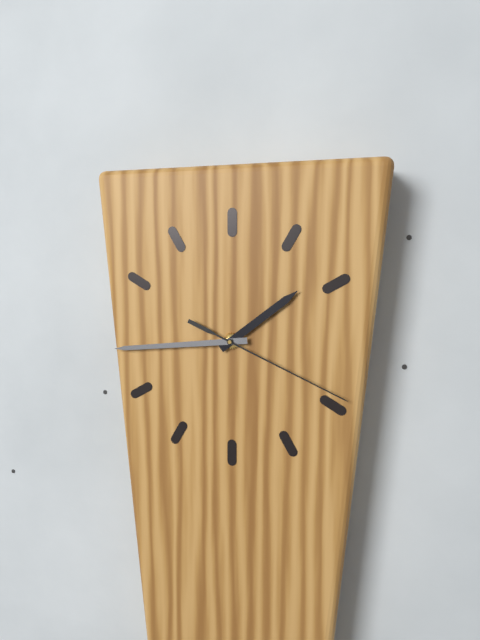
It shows 1:44:19
